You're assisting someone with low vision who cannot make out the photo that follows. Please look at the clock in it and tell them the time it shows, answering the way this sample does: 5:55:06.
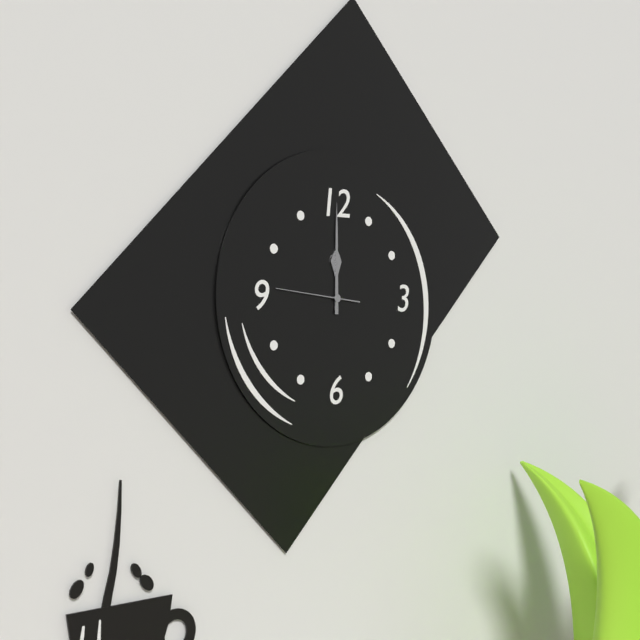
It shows 12:00:46
